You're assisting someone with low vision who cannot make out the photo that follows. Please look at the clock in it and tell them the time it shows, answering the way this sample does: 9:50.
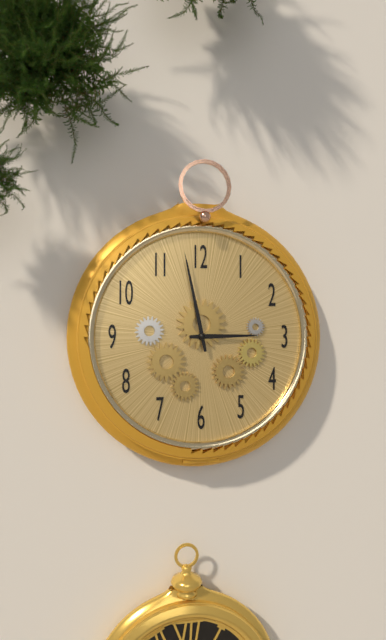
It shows 2:58
